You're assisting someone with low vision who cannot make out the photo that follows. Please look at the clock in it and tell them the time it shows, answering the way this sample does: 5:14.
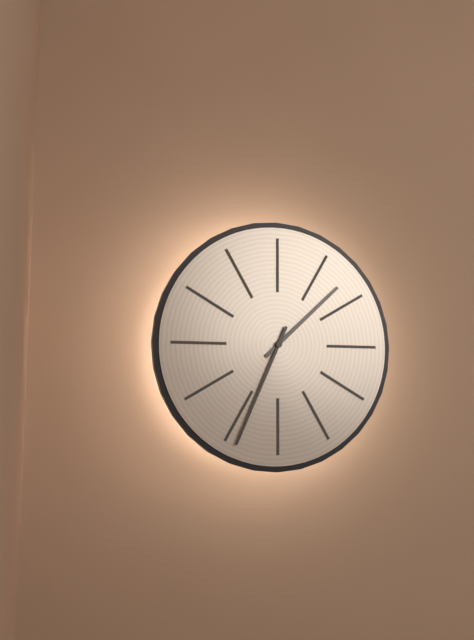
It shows 1:34
